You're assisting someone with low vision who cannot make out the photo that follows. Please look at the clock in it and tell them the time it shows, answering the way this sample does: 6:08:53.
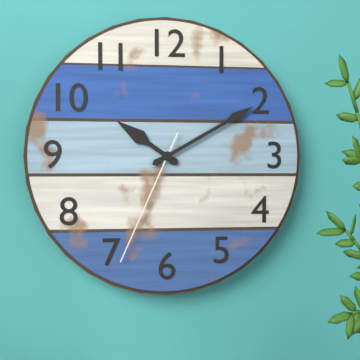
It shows 10:10:34
